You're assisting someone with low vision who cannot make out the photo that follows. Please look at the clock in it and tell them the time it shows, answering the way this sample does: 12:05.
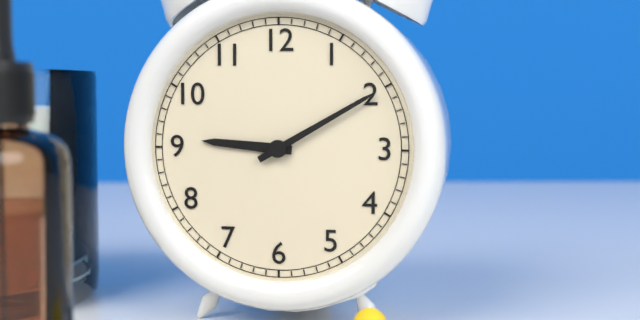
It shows 9:10
